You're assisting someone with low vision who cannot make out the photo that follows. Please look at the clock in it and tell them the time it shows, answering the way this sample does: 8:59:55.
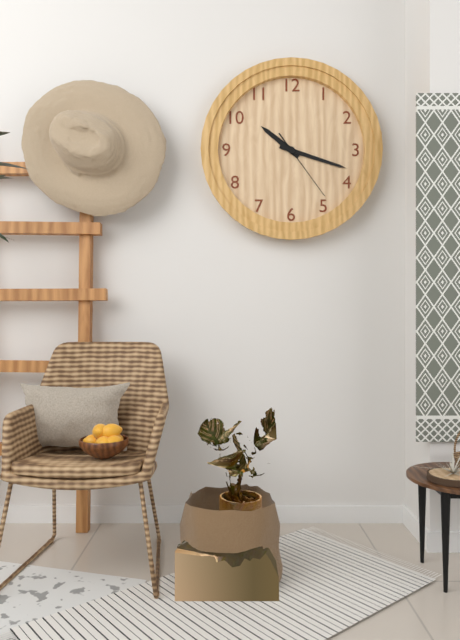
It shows 10:18:24
